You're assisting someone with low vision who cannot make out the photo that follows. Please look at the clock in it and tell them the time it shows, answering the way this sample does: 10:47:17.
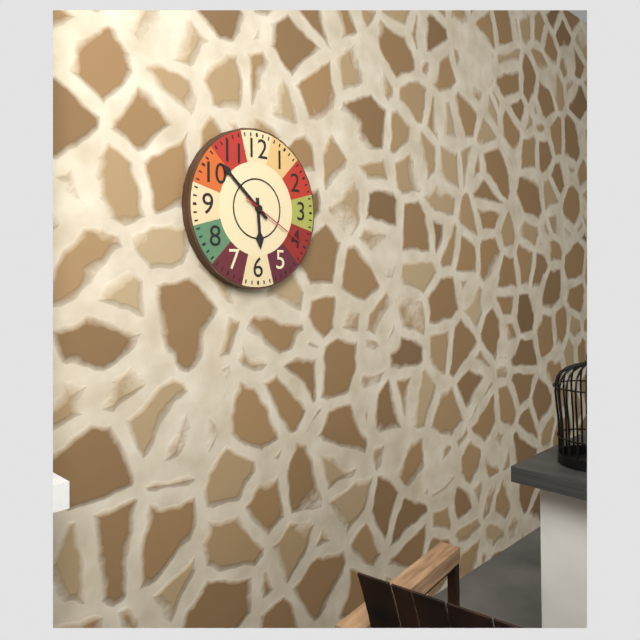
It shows 5:52:20
